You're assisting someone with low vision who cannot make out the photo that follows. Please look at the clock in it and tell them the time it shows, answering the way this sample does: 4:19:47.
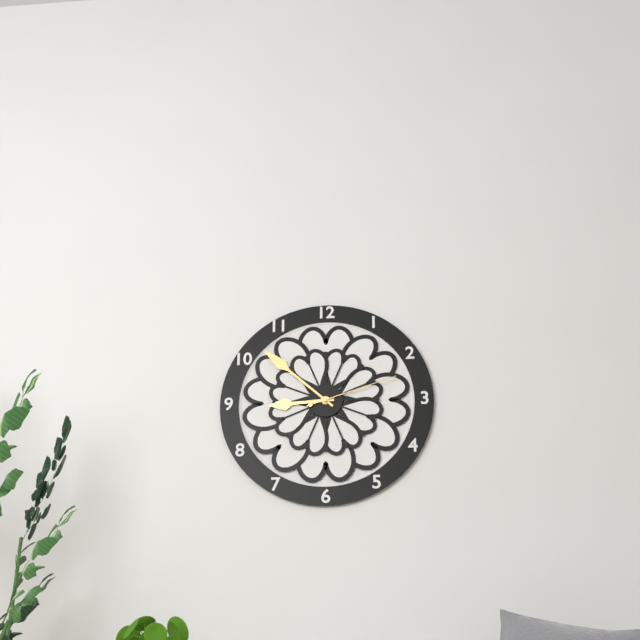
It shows 8:52:12
